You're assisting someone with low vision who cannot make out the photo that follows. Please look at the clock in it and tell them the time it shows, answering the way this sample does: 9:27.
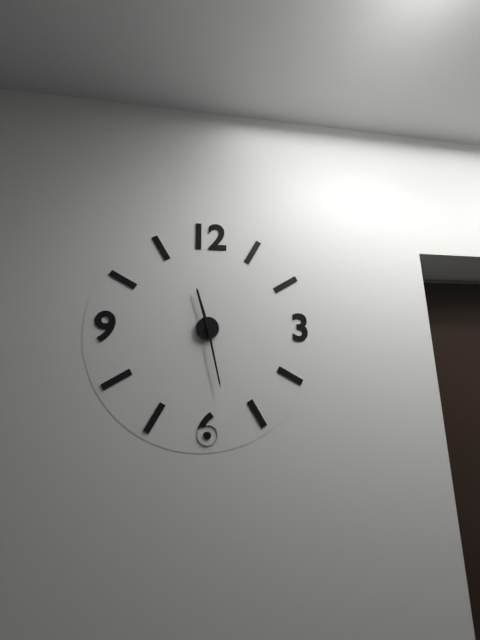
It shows 11:28
